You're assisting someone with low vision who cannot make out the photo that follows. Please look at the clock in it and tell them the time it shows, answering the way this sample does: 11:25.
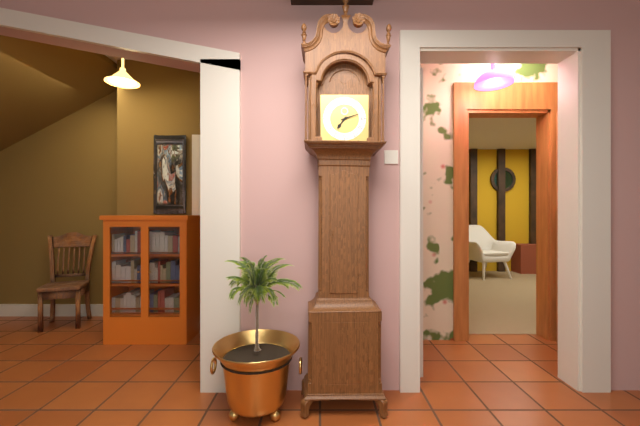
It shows 7:12
